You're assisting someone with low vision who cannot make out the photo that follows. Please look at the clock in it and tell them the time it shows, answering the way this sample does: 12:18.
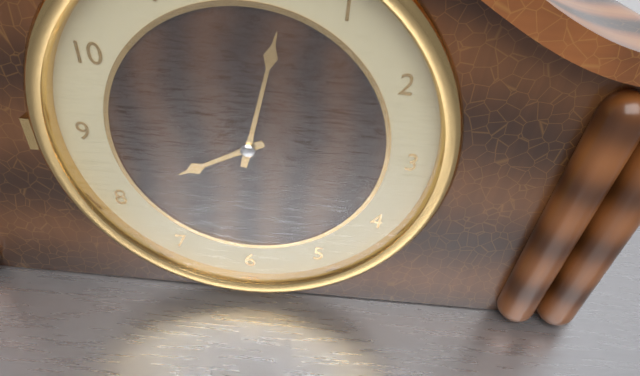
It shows 8:02
